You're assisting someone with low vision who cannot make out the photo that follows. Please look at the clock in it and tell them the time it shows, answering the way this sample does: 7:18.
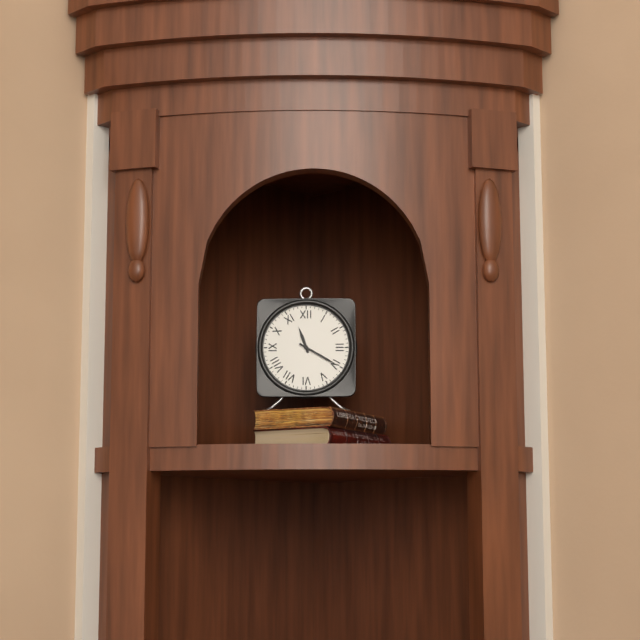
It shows 11:20
